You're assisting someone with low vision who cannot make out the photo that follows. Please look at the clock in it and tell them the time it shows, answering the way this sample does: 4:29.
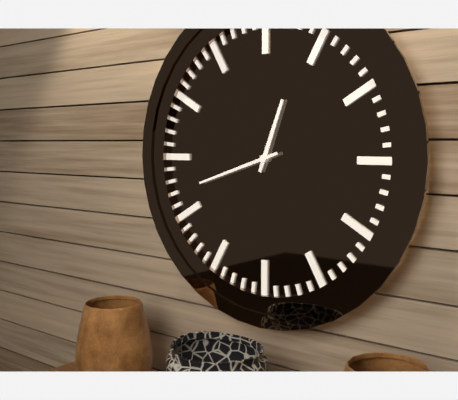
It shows 12:42
